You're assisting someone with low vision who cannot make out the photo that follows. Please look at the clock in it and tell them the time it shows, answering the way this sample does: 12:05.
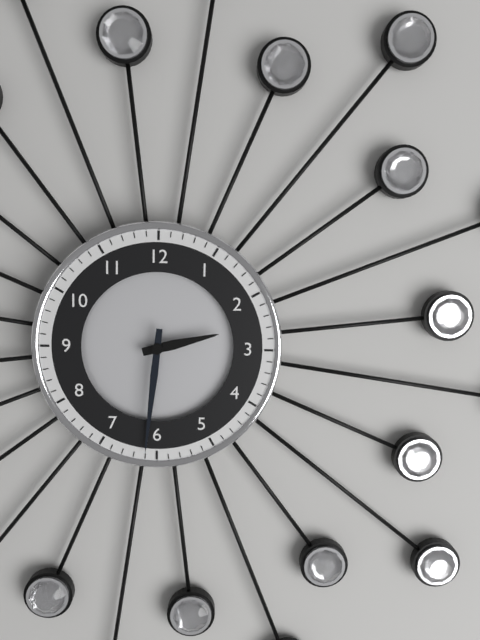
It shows 2:31
